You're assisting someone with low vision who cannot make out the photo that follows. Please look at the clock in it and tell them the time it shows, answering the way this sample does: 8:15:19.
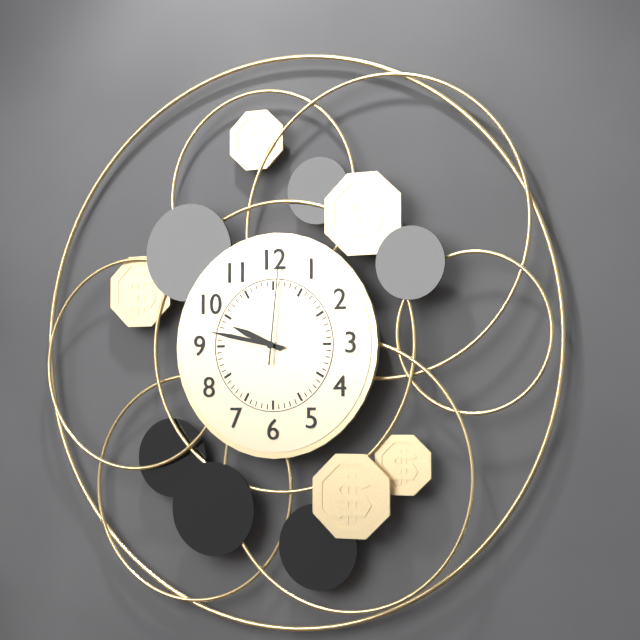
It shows 9:47:01
